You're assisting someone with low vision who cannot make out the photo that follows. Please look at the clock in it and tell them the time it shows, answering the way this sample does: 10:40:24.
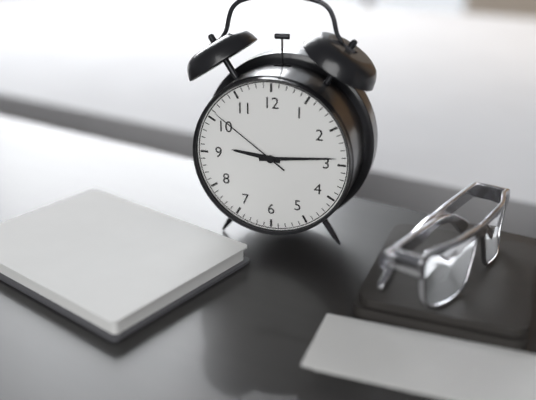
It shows 9:14:51
